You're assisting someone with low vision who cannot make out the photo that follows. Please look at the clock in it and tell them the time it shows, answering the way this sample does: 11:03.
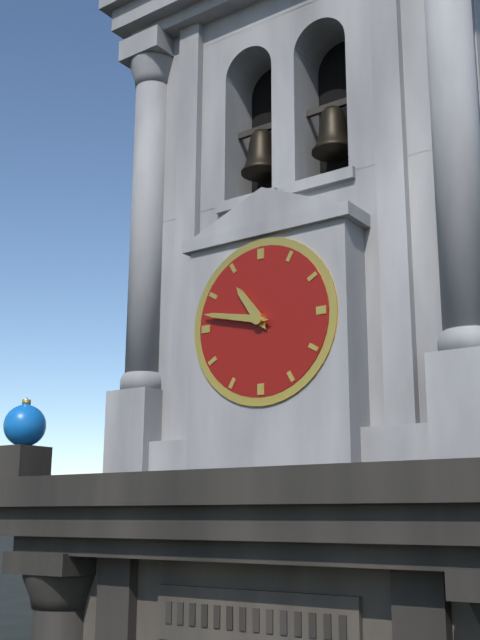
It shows 10:47
